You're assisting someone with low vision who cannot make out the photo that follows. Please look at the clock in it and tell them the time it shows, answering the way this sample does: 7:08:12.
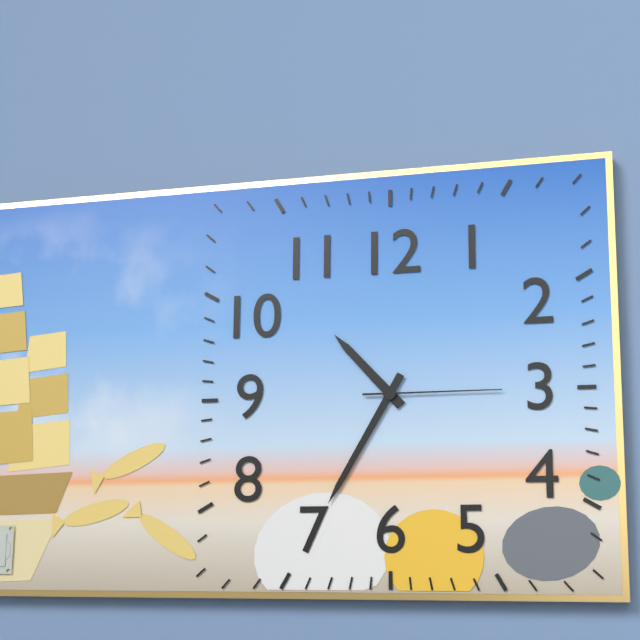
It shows 10:35:15
